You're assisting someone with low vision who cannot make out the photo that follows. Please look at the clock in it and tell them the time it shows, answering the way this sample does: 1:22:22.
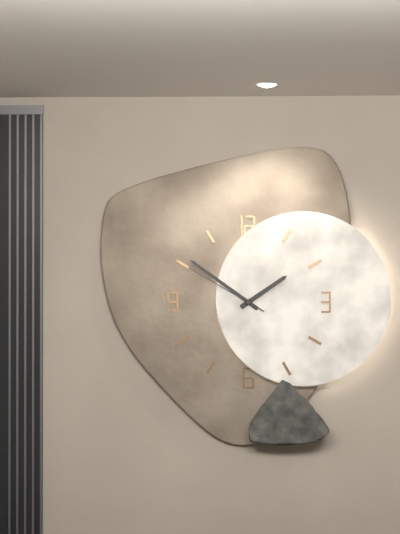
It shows 1:51:50
